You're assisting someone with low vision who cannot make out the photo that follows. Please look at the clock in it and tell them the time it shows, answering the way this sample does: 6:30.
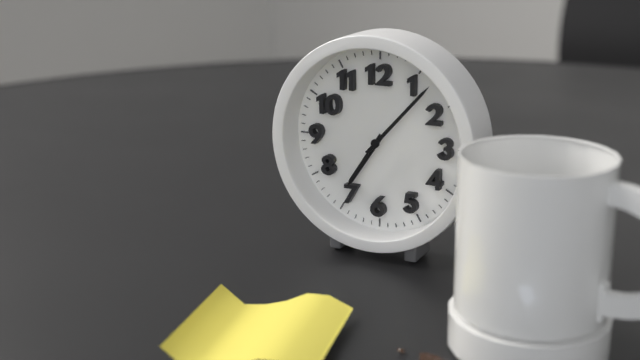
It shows 7:07
